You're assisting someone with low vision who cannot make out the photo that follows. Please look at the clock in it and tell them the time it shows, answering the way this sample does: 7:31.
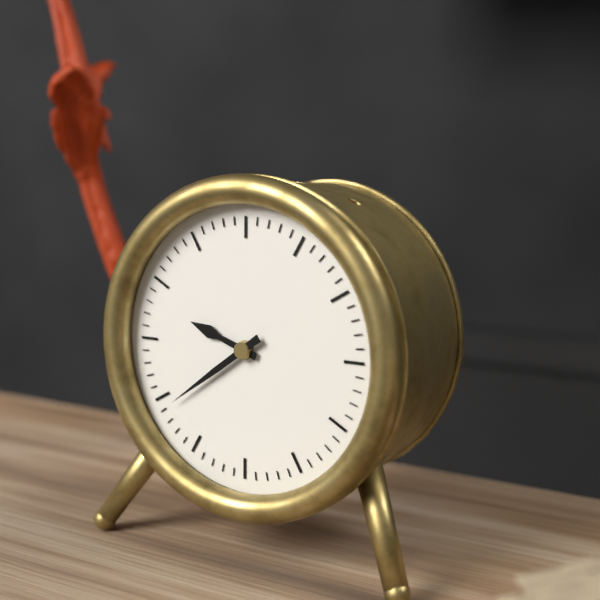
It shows 9:39
